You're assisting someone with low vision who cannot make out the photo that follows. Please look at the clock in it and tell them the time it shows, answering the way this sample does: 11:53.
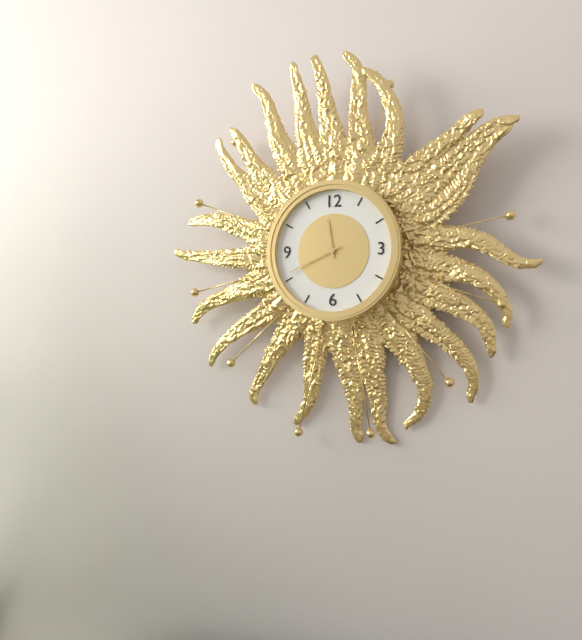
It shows 11:41
